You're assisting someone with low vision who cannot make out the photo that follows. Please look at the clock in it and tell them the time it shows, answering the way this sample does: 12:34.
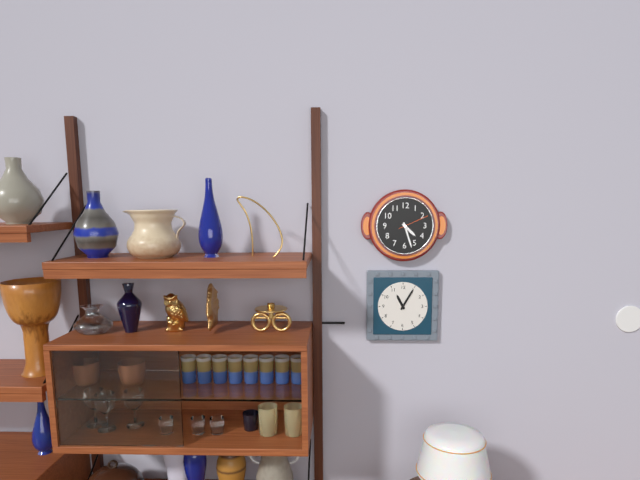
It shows 4:27
